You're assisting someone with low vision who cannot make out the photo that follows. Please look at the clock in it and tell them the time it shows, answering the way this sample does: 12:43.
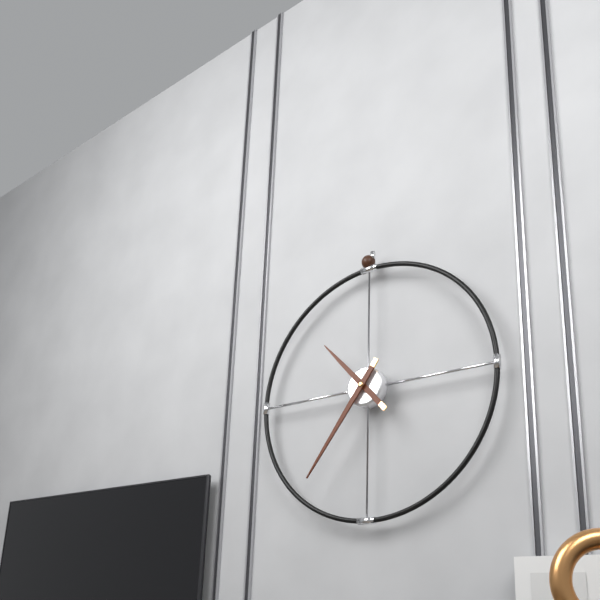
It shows 10:36
